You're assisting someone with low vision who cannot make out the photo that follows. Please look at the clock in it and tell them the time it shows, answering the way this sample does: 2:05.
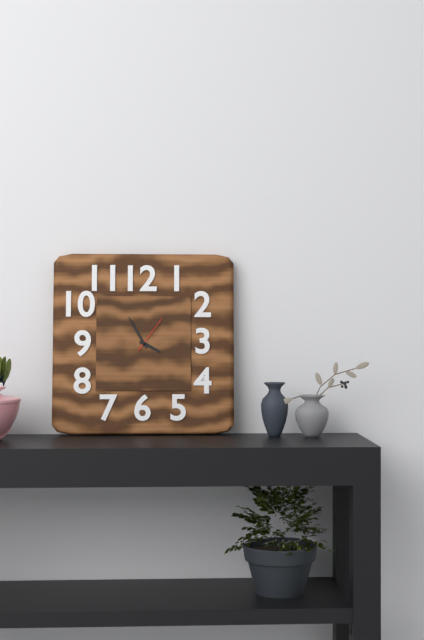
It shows 3:55
